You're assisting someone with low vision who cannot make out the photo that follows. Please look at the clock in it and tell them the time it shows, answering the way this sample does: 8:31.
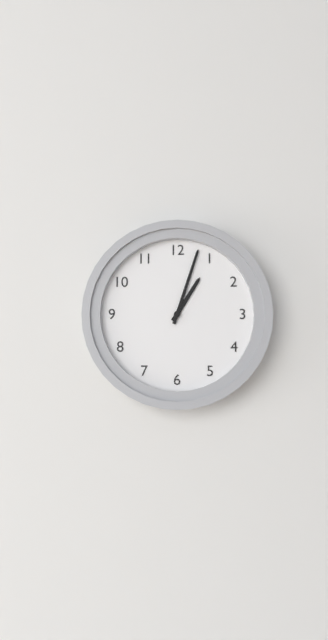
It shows 1:03
